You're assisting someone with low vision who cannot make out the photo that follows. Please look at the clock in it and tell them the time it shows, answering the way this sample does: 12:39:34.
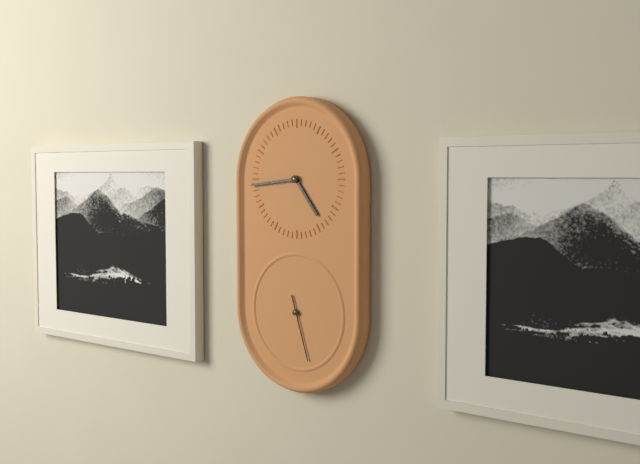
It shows 4:44:27
